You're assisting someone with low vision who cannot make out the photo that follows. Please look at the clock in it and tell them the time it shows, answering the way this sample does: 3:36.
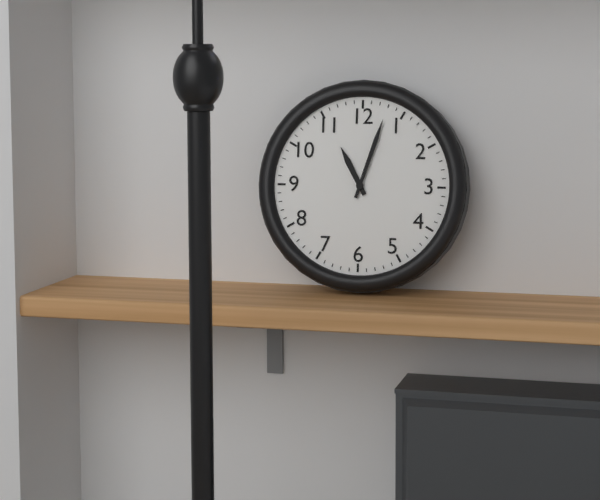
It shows 11:03
